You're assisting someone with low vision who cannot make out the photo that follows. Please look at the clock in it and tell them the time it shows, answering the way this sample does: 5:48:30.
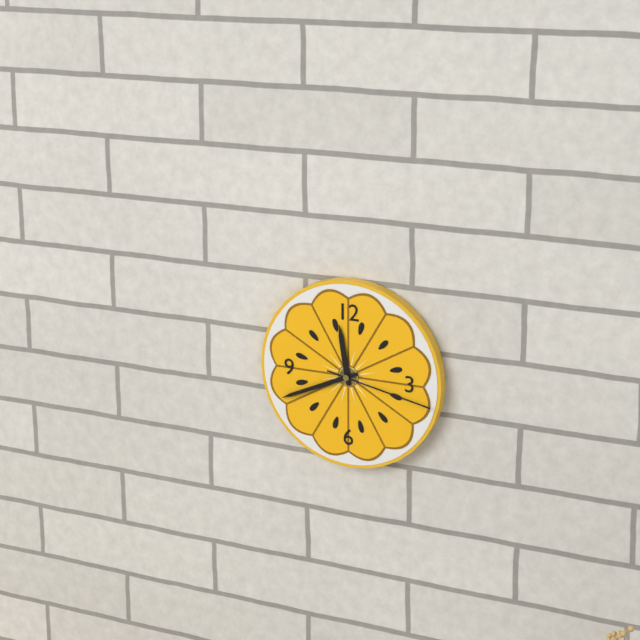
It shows 11:41:17
